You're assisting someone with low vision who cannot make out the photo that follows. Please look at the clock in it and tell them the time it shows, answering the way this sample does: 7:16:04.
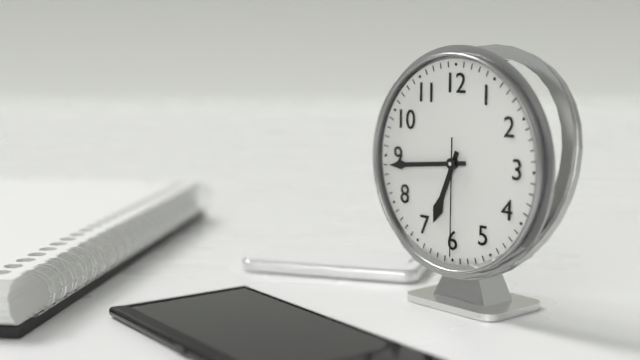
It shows 6:44:30
